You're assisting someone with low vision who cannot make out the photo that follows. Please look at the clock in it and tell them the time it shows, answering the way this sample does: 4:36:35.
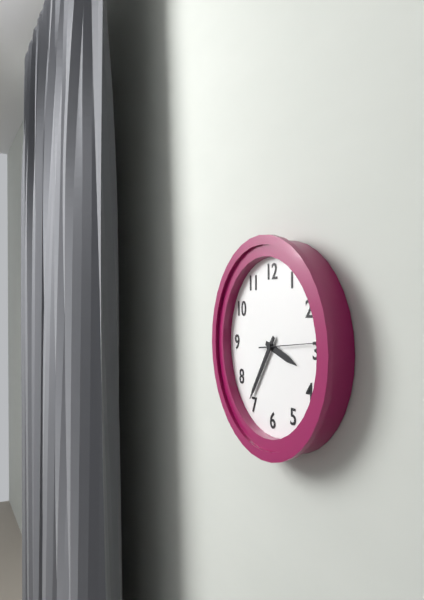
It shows 3:36:14
